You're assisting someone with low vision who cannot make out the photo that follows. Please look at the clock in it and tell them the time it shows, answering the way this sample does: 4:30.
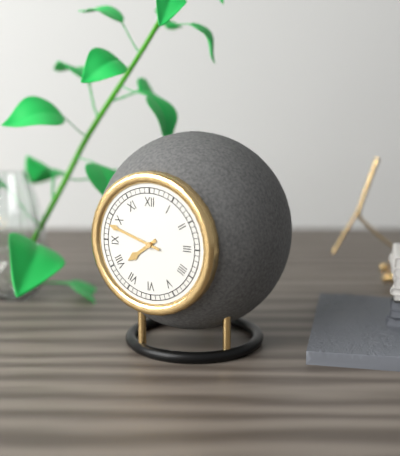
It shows 7:48
